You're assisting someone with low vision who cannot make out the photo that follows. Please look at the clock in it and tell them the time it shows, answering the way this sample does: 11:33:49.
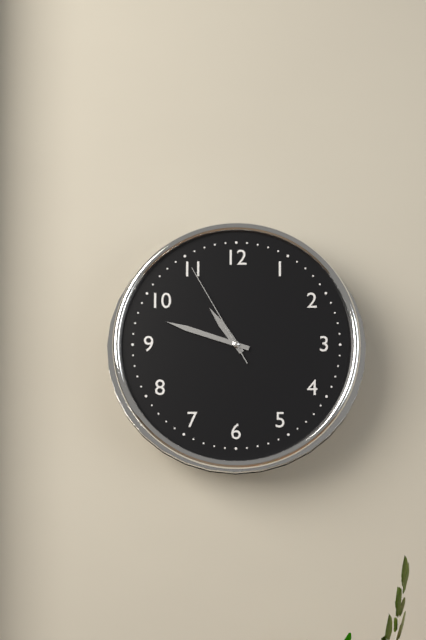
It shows 10:48:55
